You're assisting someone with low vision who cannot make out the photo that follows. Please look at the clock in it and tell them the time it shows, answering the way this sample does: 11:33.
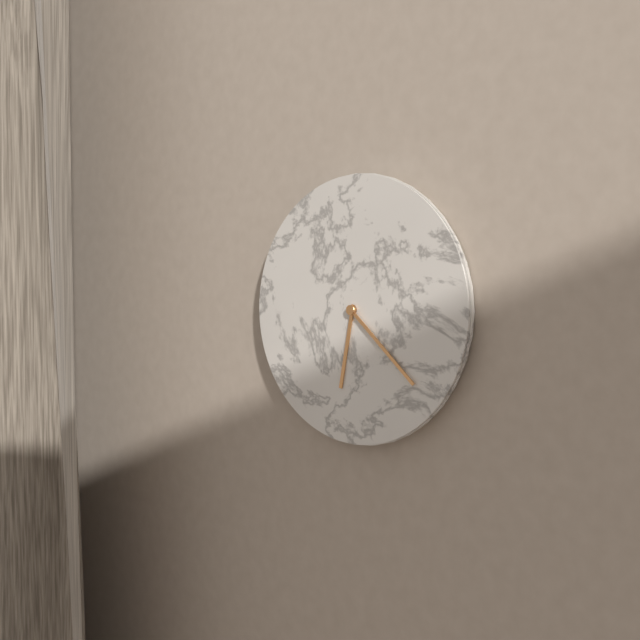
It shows 6:22
